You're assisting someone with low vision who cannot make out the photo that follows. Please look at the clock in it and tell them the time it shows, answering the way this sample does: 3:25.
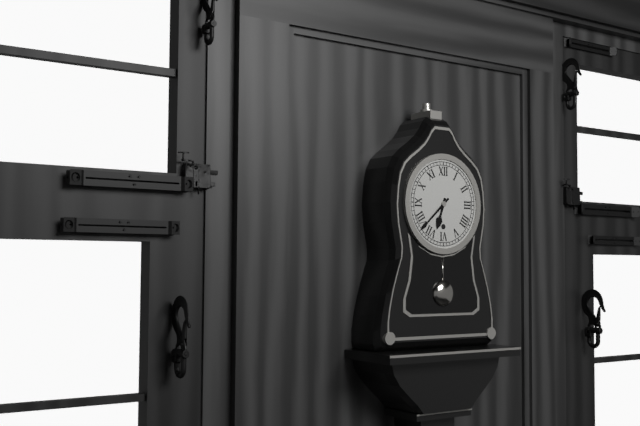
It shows 6:38
